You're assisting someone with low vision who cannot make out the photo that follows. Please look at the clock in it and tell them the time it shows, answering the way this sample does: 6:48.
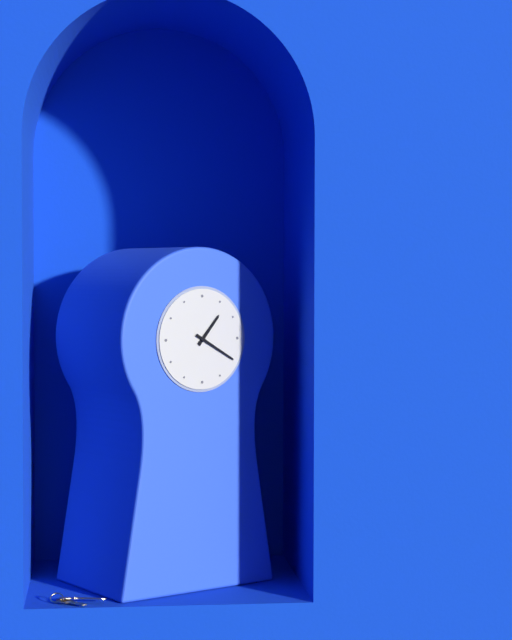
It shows 1:20
